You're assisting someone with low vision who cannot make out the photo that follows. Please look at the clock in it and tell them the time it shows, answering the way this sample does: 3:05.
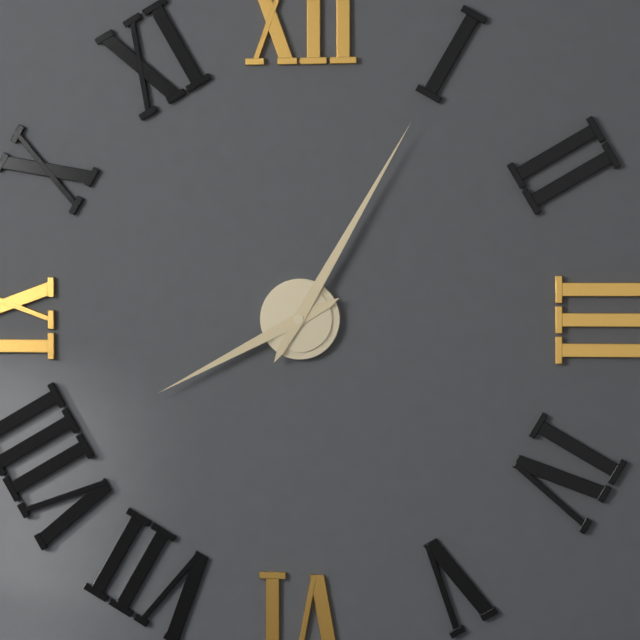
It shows 8:05
